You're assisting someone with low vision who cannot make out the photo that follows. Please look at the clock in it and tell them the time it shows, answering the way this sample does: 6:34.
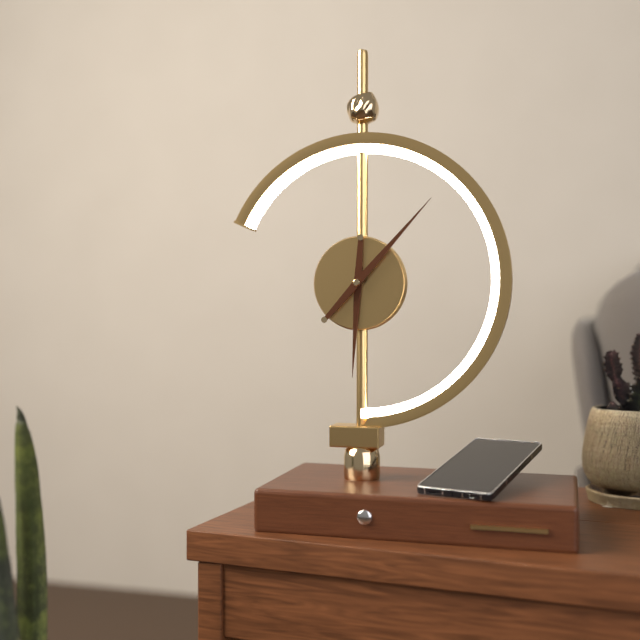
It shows 6:07
